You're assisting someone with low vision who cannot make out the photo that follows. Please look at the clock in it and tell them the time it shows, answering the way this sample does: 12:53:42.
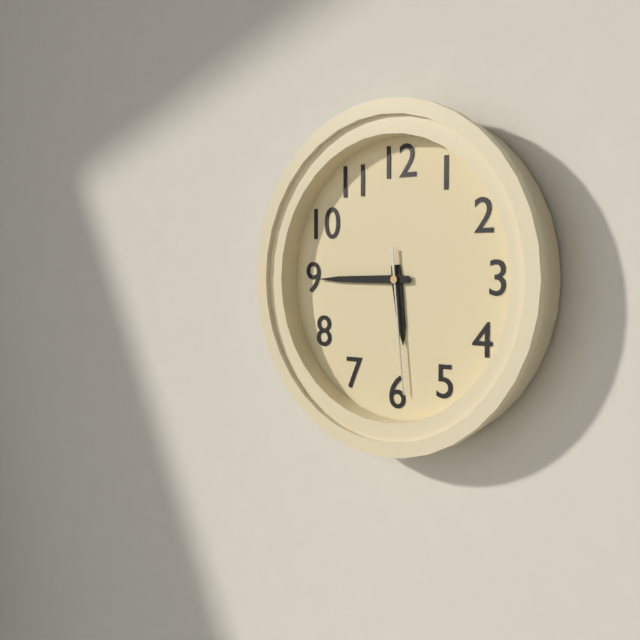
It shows 5:45:29
